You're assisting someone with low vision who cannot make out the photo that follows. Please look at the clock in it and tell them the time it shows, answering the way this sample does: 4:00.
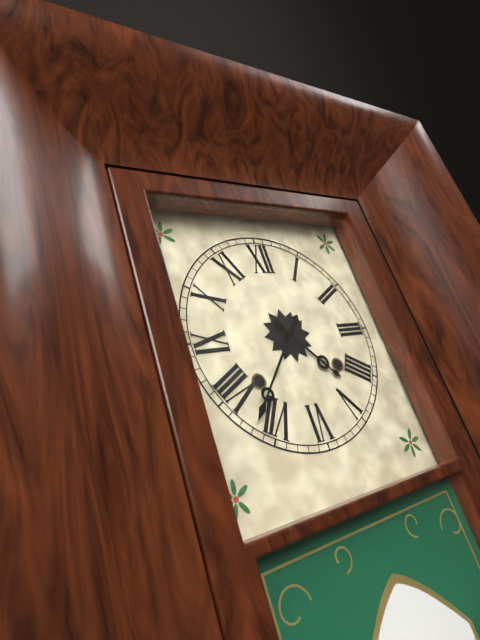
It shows 4:37
